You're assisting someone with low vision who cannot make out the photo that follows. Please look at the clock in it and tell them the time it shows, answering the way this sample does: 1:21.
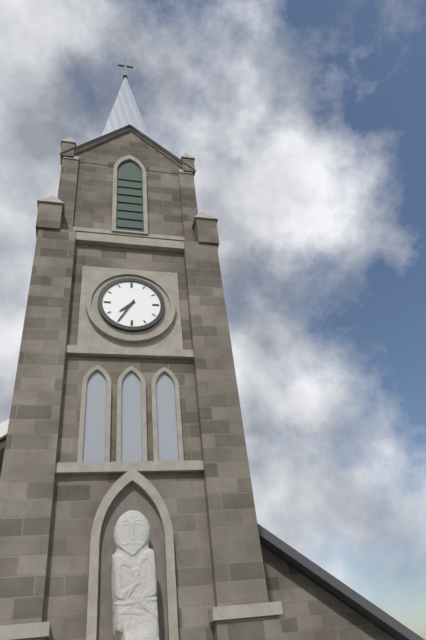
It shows 7:35
